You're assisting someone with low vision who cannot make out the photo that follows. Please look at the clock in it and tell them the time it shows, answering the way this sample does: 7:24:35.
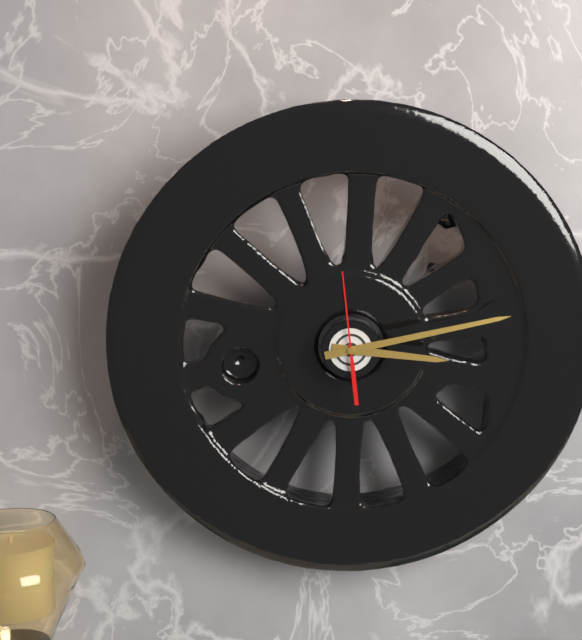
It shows 3:13:59
